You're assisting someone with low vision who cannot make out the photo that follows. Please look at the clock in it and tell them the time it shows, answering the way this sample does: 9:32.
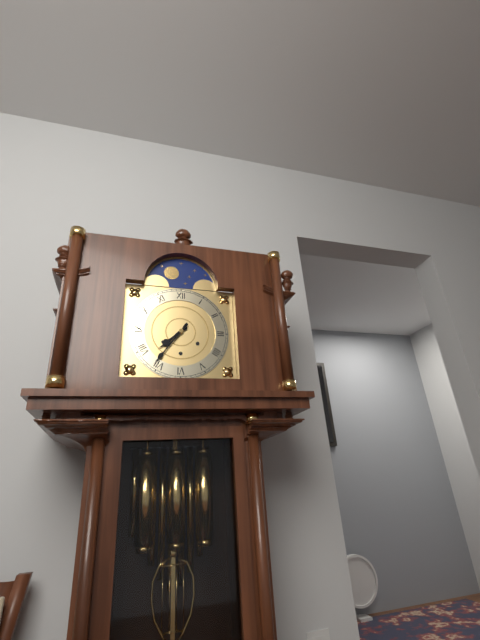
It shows 7:36
